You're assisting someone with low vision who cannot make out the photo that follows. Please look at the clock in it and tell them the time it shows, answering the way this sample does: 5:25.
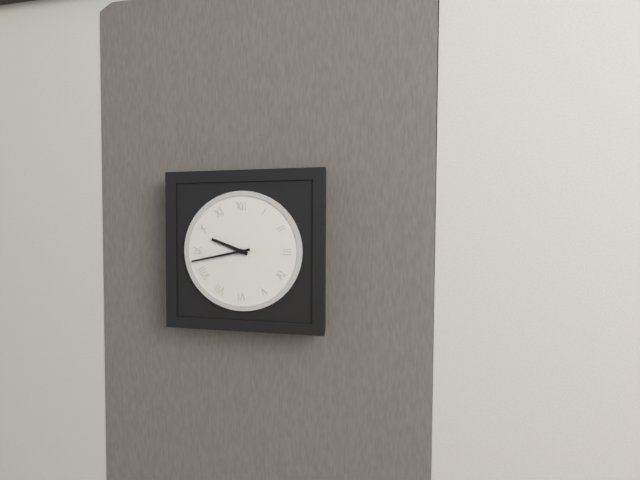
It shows 9:43
